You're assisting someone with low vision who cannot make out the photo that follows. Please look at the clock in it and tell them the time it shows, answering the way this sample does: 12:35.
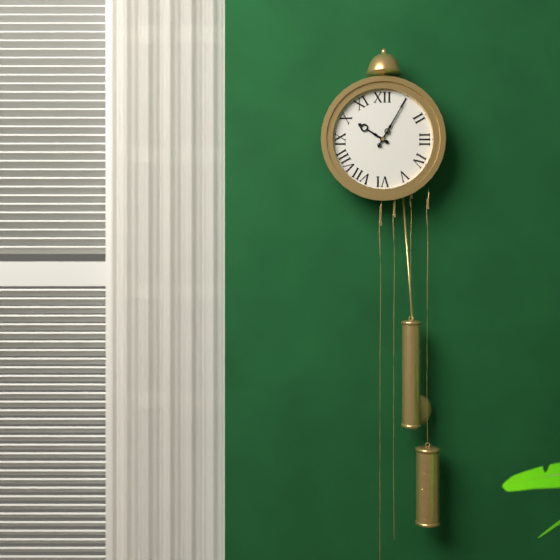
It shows 10:05
